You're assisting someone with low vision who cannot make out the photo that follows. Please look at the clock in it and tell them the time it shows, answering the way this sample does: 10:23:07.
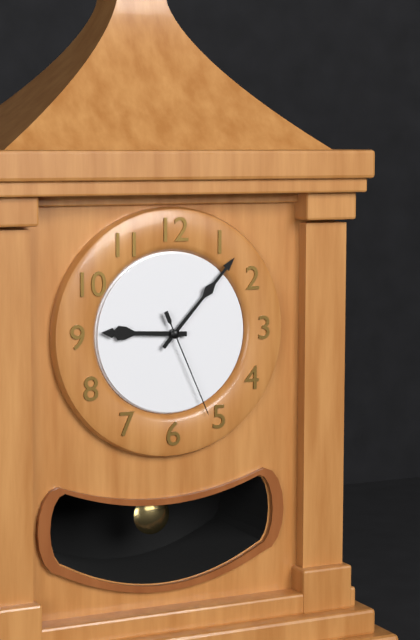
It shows 9:07:26
